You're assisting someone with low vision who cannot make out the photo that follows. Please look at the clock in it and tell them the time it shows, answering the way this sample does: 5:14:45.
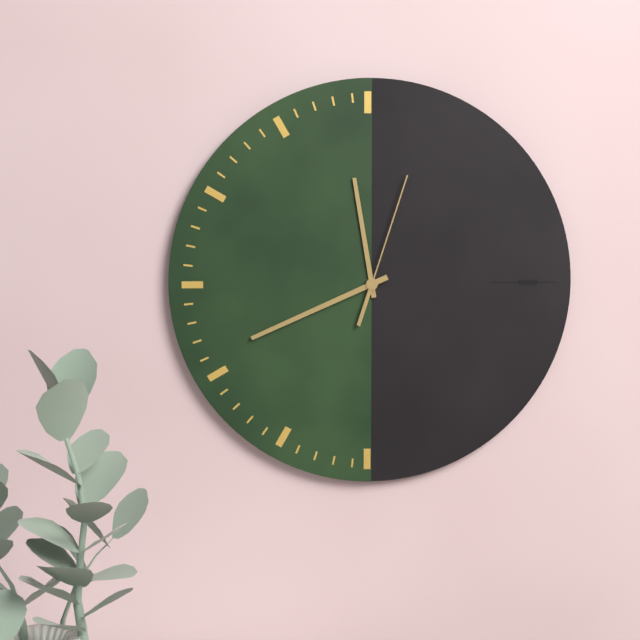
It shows 11:41:03
